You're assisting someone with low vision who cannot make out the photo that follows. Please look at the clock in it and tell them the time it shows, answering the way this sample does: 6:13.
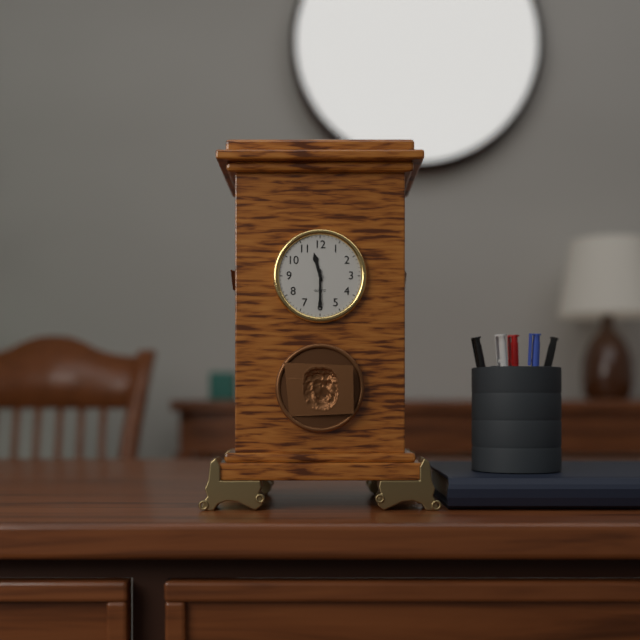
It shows 11:30
